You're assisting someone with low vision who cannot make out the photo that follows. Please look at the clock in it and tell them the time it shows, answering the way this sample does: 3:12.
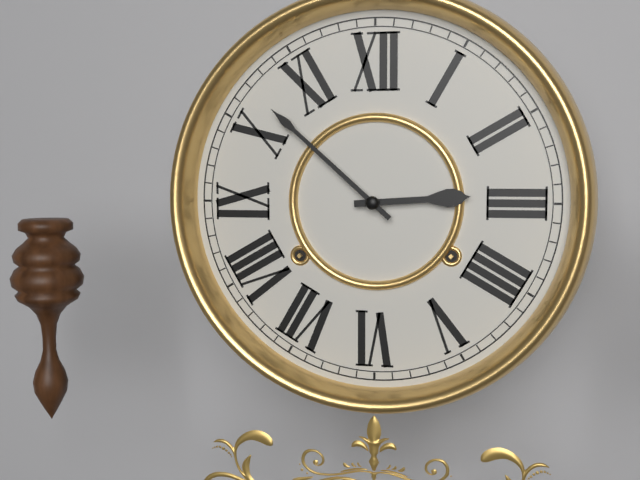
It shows 2:52
